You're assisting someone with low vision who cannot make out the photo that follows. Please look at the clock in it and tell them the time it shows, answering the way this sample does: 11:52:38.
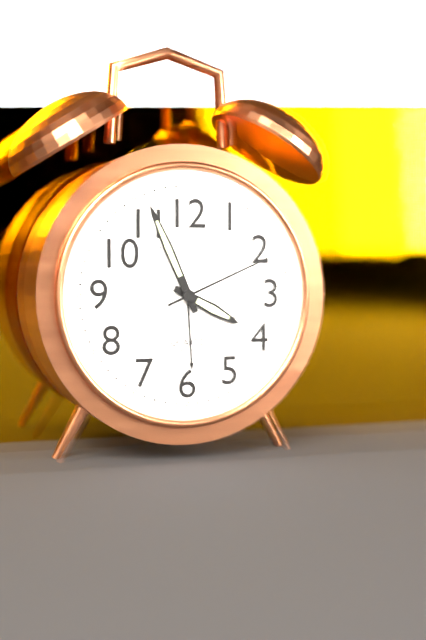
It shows 3:56:11
